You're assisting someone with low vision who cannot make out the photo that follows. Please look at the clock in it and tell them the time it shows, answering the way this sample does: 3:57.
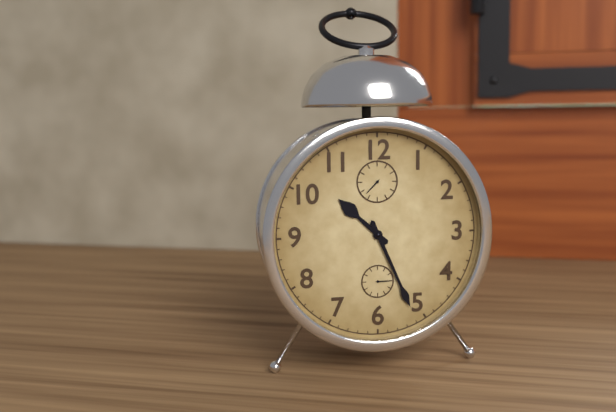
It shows 10:26
